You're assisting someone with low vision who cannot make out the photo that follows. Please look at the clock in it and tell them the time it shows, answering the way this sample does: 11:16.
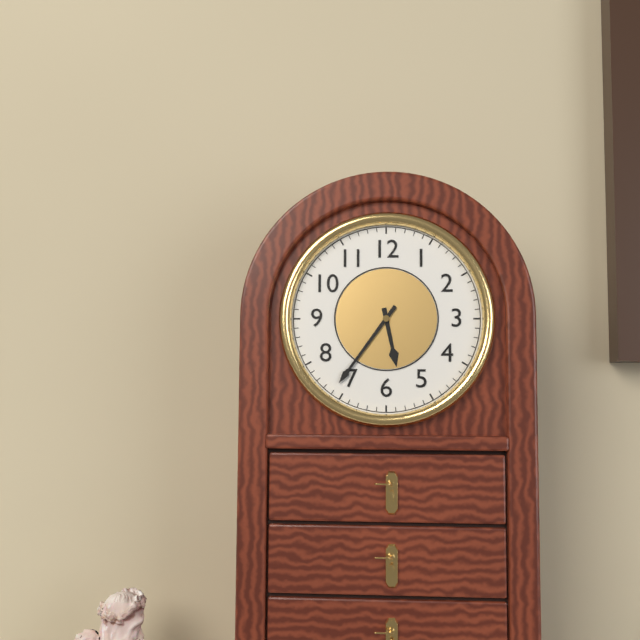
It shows 5:36
